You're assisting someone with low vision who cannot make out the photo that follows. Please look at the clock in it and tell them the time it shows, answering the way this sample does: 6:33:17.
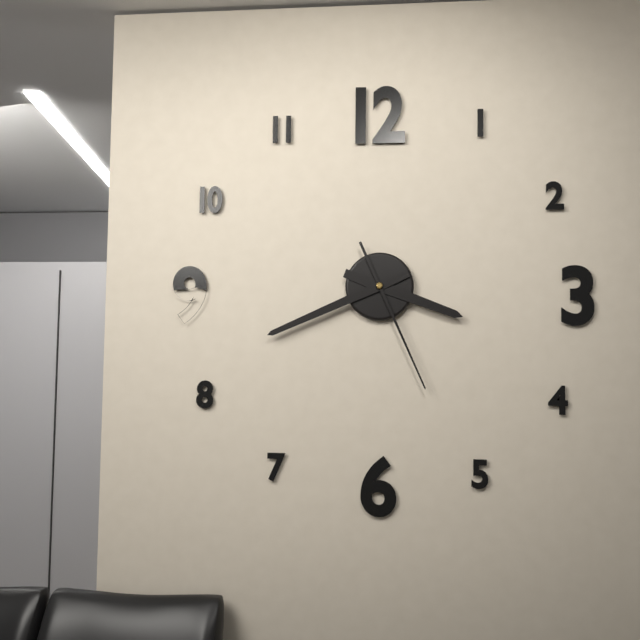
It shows 3:41:26
